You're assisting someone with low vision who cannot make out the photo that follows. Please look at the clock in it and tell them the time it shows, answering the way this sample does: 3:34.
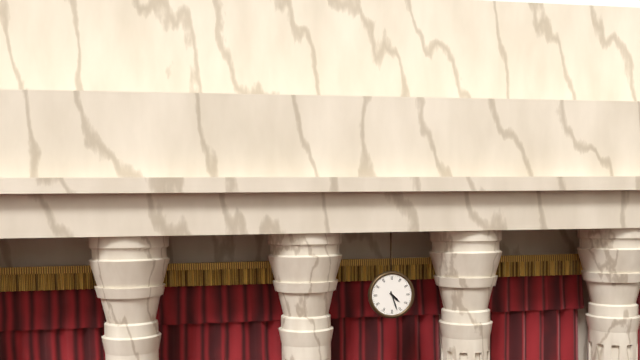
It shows 4:27
